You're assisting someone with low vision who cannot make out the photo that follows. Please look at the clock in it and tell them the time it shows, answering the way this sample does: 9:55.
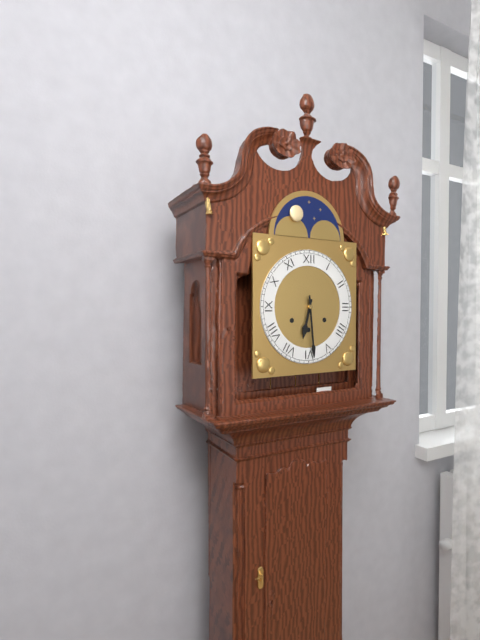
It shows 6:29
